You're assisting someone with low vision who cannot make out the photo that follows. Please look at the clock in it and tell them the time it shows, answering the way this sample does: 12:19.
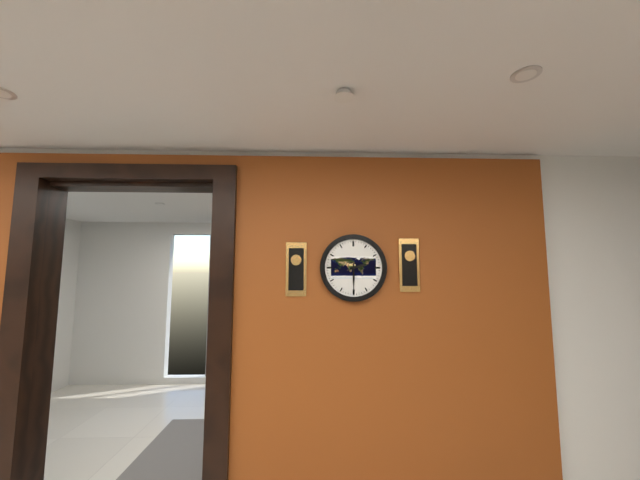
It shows 2:30
